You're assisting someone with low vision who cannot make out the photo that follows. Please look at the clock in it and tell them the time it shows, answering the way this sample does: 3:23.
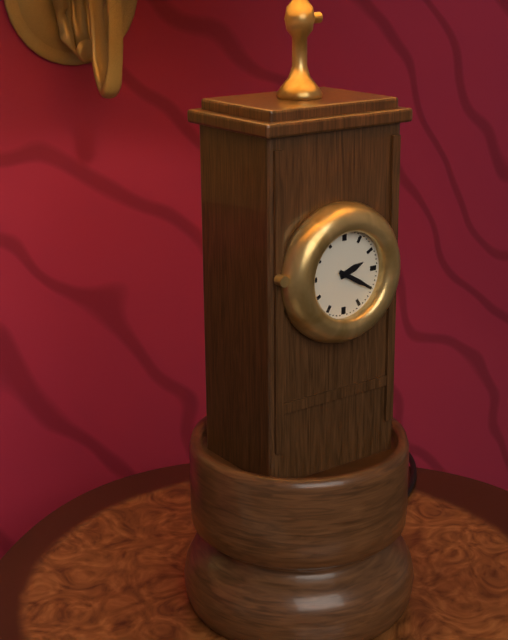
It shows 2:20
